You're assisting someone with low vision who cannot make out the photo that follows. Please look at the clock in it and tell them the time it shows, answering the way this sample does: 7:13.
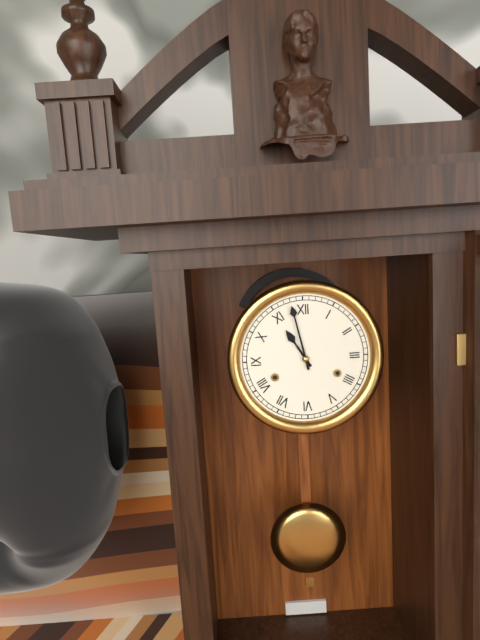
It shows 10:58
